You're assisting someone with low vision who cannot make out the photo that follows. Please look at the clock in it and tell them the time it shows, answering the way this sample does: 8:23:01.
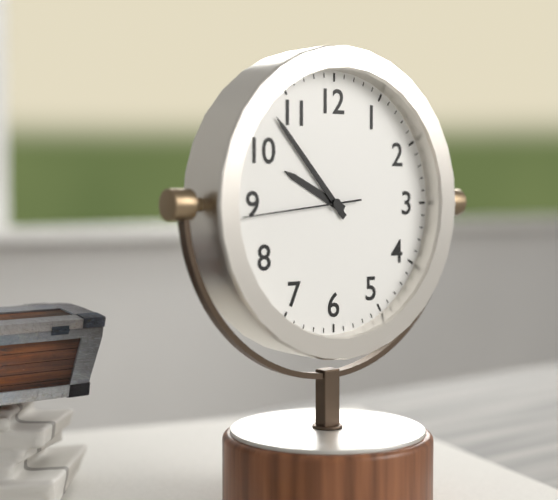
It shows 9:53:44
